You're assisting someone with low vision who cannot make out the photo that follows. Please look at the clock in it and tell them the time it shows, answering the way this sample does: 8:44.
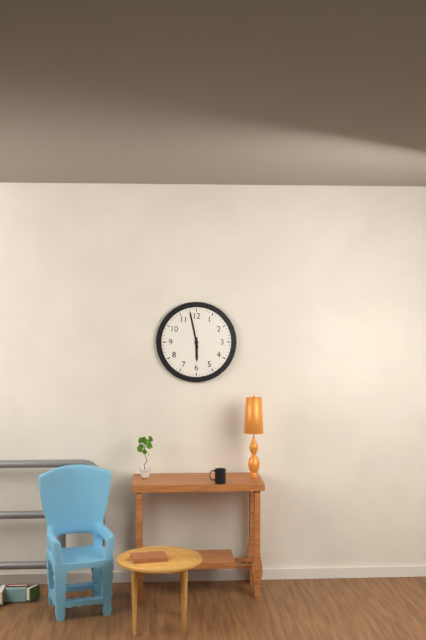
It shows 5:58
